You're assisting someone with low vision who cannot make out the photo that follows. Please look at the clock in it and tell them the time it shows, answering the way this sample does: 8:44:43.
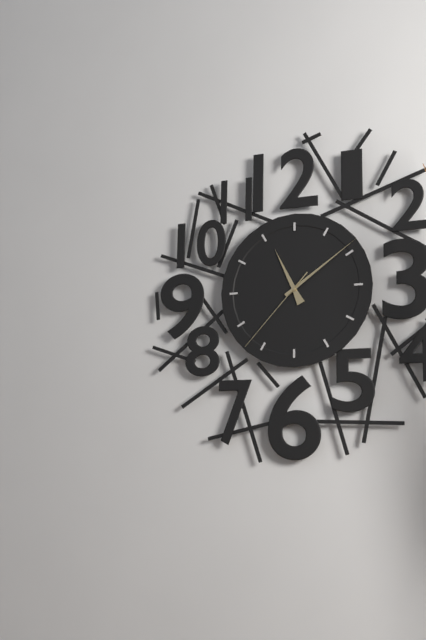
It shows 11:09:37
